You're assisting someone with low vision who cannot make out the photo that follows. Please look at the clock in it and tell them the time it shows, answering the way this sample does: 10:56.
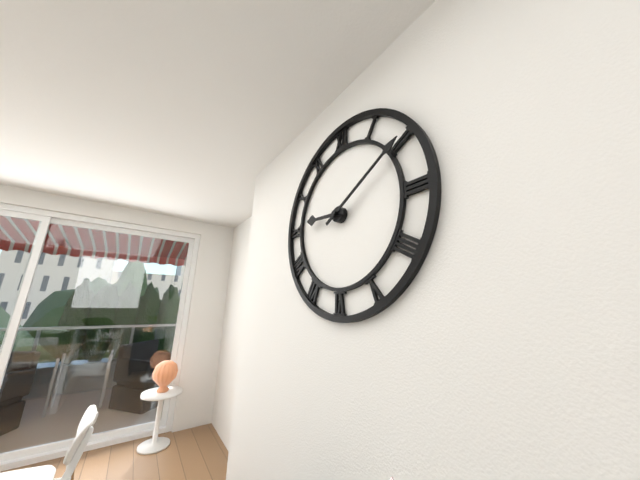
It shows 9:10
